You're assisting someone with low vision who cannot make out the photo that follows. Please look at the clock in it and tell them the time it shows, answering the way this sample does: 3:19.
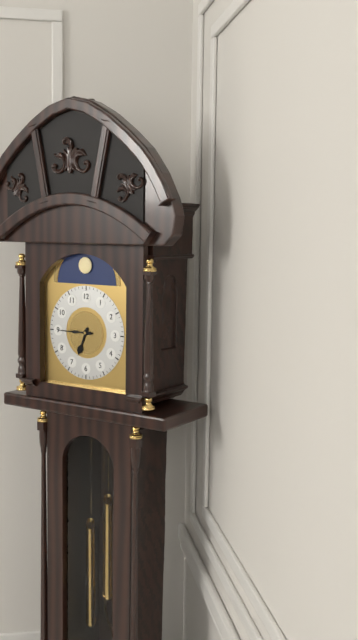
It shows 6:45
